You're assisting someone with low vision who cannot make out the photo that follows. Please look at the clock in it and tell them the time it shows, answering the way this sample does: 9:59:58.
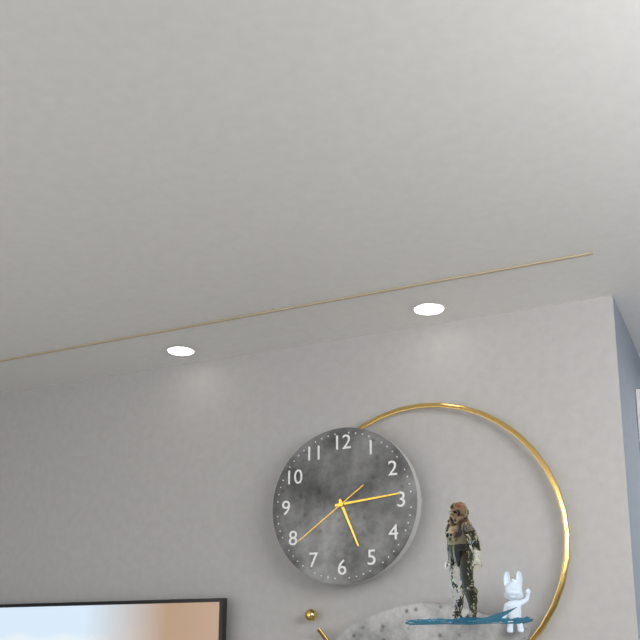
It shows 5:14:39
